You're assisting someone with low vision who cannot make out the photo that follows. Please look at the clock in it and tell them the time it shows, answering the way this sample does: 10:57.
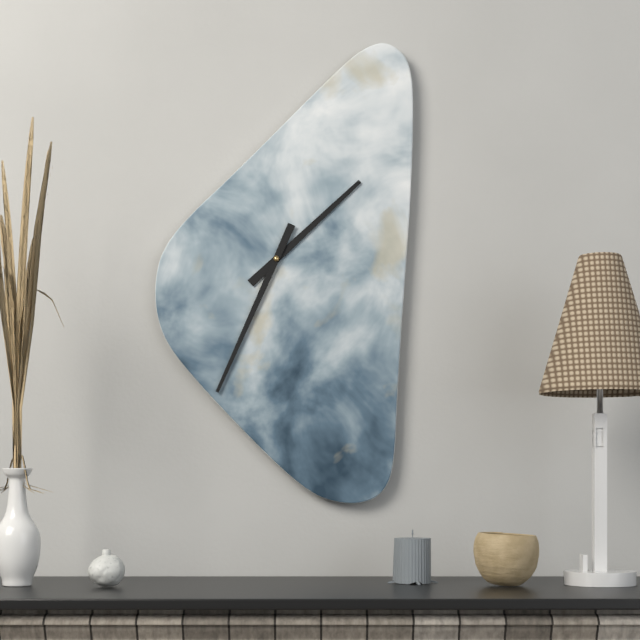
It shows 1:34
